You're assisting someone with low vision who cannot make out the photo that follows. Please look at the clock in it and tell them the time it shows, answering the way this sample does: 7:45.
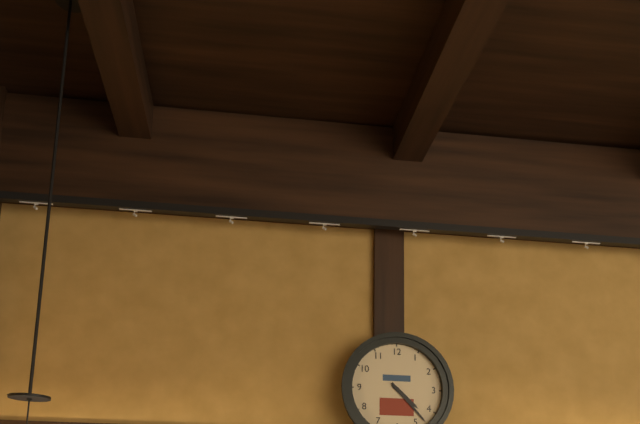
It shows 4:23
